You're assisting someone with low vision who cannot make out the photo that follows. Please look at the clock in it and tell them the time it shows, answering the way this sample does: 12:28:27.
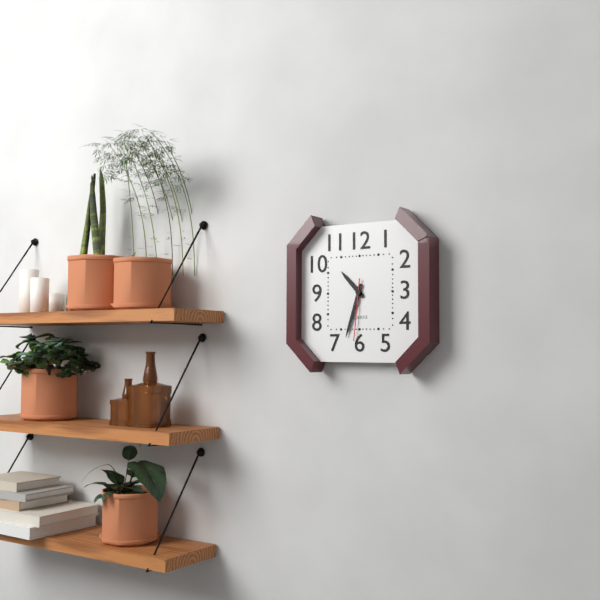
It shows 10:33:31
